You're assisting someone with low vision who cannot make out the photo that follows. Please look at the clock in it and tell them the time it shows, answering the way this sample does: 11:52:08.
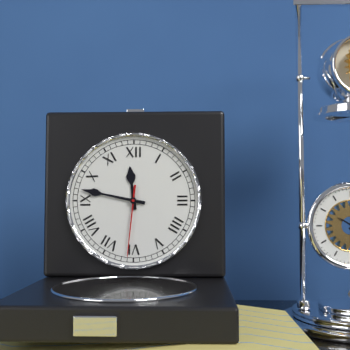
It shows 11:47:31
